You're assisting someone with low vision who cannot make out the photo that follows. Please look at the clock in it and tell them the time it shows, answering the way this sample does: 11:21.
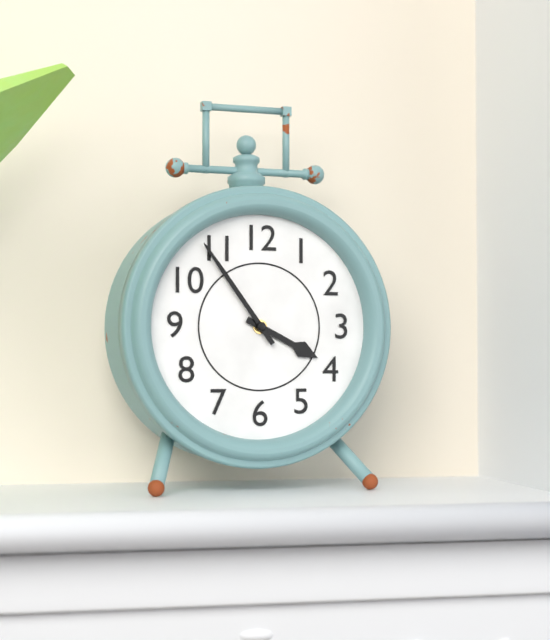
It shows 3:54
